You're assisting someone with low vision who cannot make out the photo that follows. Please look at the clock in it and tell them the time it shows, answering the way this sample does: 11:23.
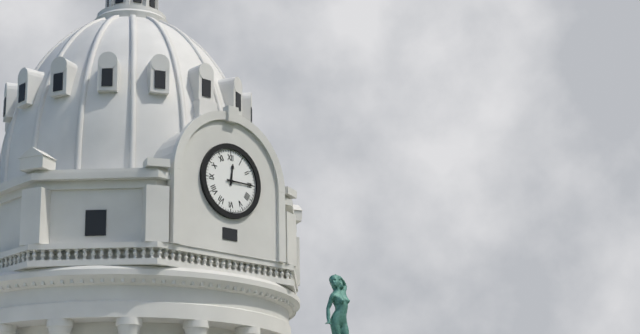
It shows 12:15
